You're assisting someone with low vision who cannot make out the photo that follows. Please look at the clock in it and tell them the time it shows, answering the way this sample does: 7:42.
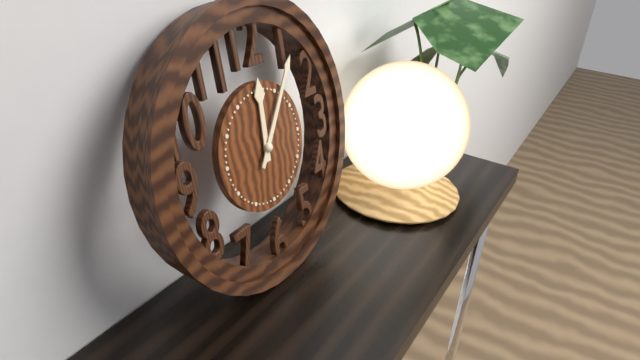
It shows 12:06
